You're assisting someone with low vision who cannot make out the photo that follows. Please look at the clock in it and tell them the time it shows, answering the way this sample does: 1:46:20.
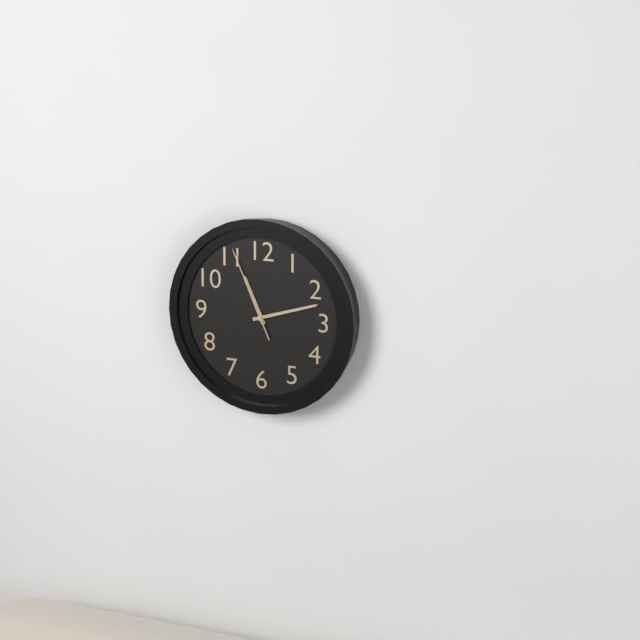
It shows 11:12:56
